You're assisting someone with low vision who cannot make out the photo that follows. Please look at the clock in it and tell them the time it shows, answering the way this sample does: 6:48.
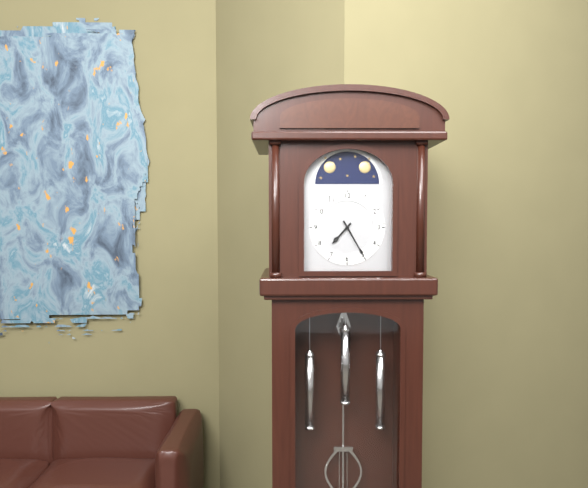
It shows 7:25
